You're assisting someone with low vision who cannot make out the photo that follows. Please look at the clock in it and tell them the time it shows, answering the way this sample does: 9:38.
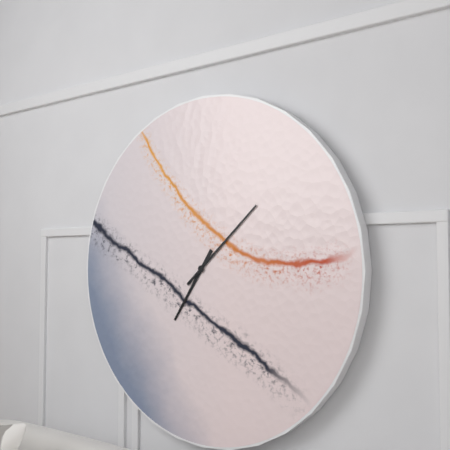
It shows 7:08
